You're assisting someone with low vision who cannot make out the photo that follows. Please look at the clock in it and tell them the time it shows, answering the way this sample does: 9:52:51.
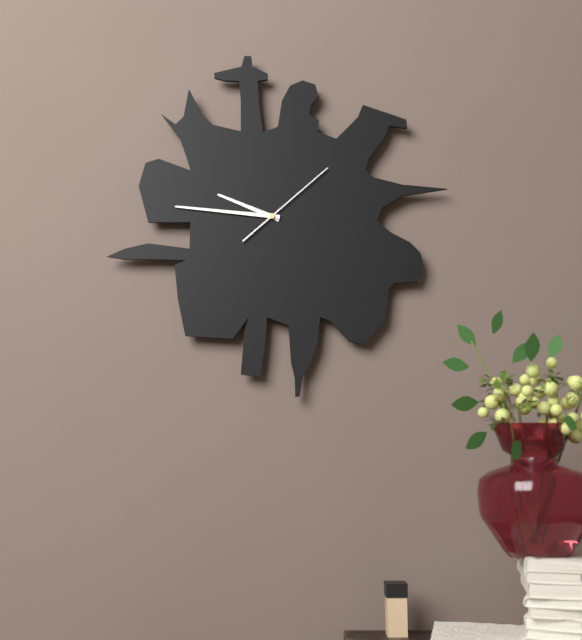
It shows 9:46:08
